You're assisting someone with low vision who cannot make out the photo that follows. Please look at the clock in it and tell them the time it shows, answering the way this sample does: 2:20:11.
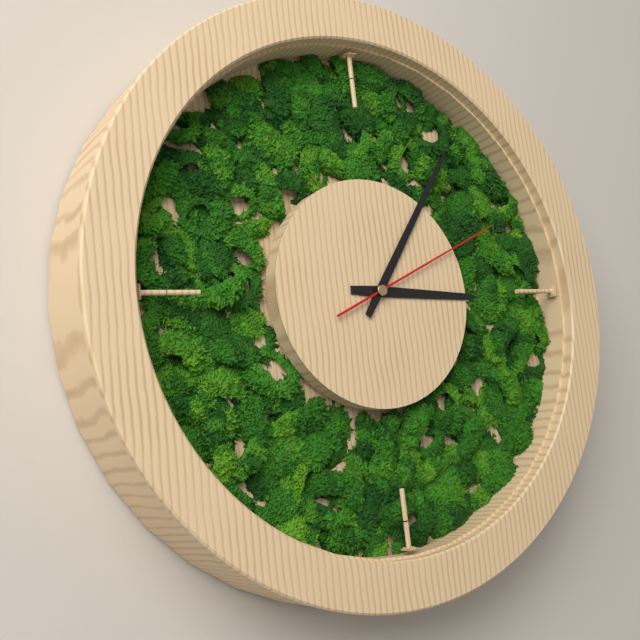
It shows 3:06:11
